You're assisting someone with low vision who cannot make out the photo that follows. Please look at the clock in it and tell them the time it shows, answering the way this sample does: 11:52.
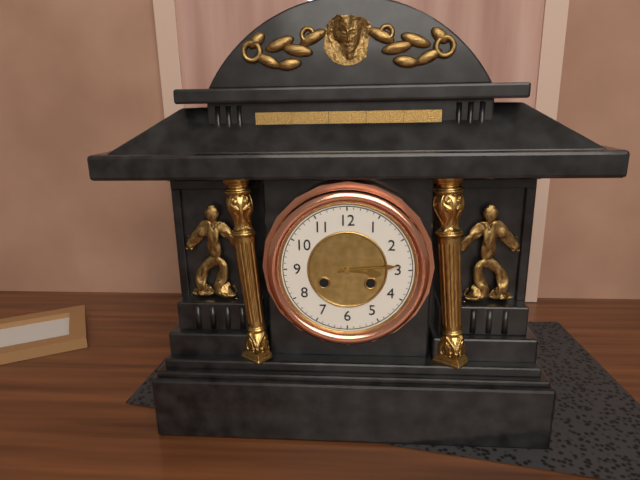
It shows 3:14
